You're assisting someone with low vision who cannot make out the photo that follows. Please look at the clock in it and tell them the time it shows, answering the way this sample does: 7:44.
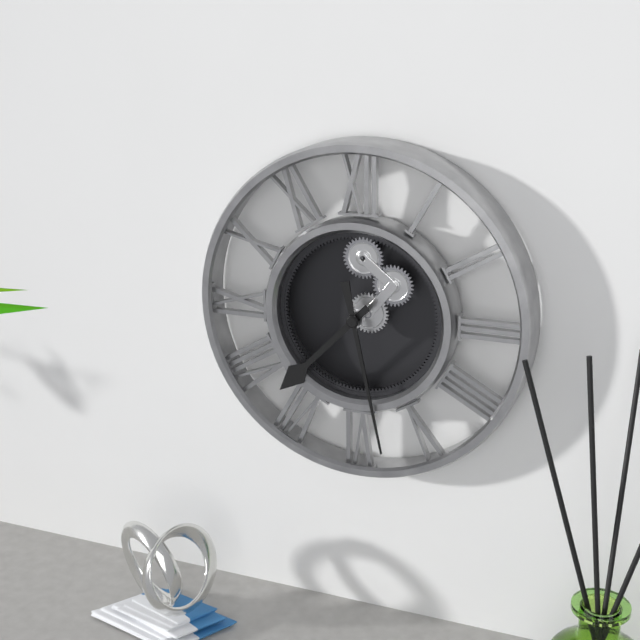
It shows 7:28
